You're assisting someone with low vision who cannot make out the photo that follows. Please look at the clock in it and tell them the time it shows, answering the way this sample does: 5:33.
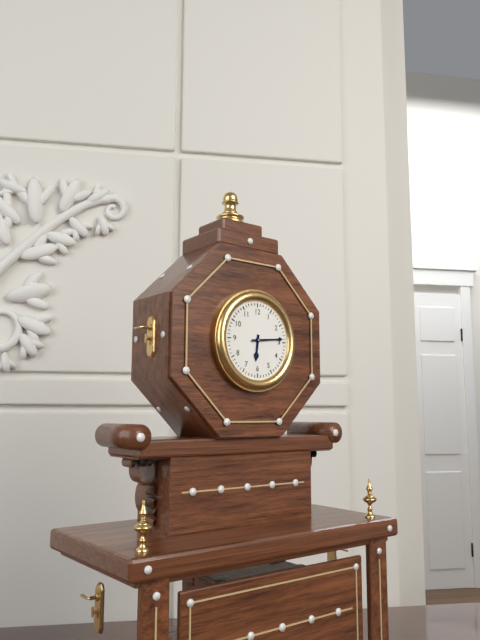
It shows 6:14
